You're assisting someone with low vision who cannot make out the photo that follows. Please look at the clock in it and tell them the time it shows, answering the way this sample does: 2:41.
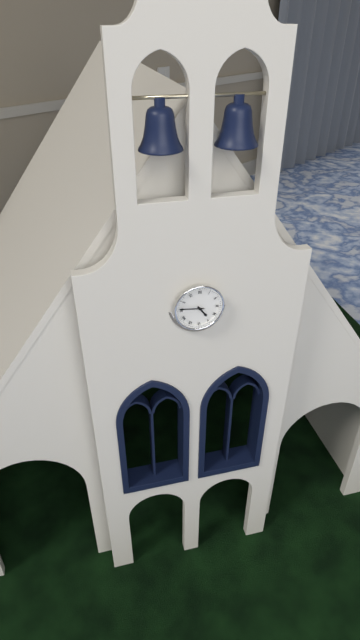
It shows 4:46
